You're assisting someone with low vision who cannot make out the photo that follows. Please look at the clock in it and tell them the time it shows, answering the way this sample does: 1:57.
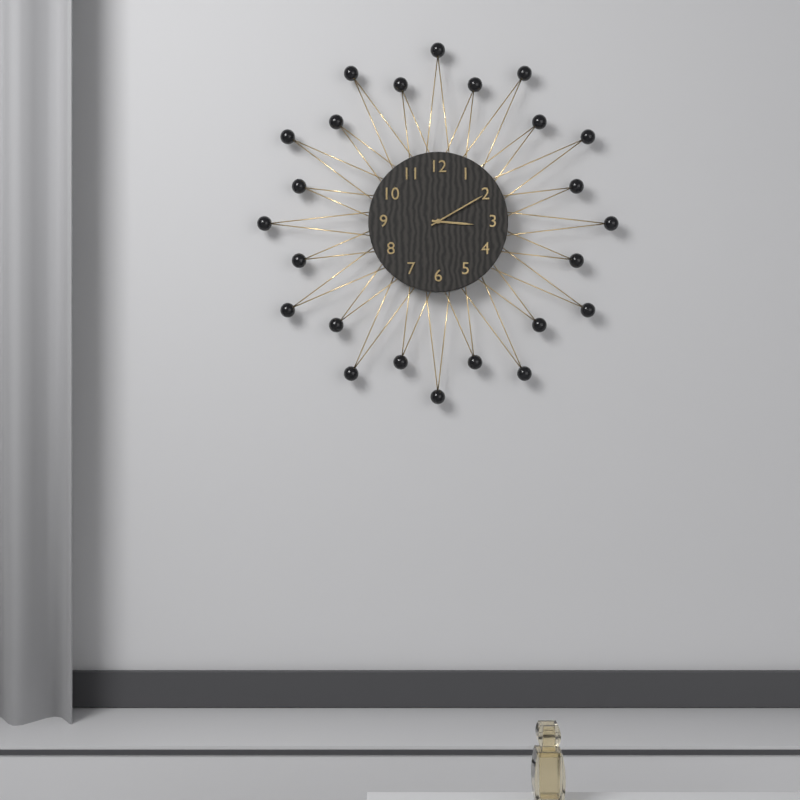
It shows 3:10
